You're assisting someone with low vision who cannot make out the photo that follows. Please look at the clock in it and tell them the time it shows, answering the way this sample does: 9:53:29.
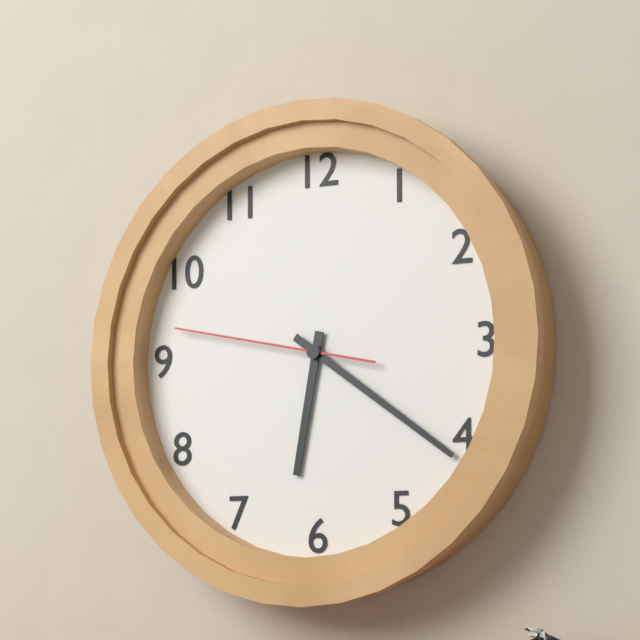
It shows 6:21:47
